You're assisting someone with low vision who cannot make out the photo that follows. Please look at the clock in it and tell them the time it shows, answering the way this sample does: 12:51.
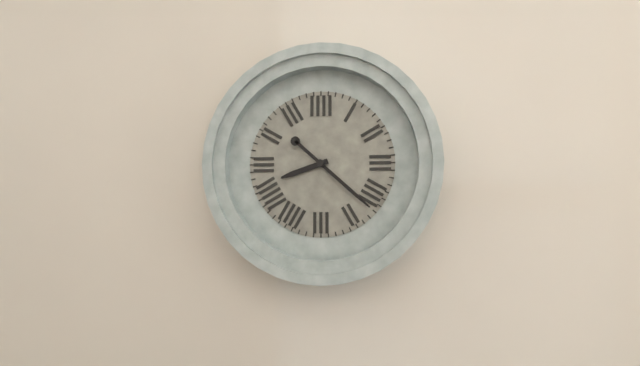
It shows 8:22
